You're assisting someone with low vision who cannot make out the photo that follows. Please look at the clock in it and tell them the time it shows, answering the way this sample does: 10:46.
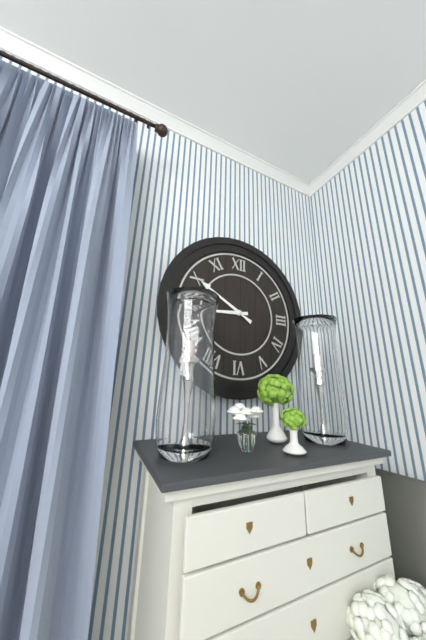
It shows 8:50
